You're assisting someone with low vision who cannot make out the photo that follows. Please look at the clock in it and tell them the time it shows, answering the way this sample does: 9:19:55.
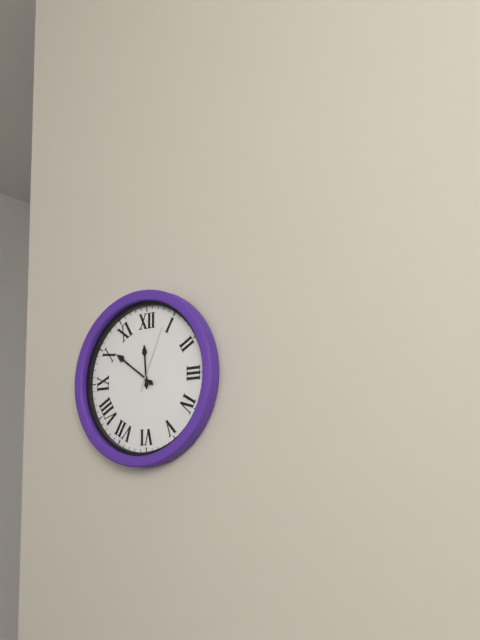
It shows 11:51:04
